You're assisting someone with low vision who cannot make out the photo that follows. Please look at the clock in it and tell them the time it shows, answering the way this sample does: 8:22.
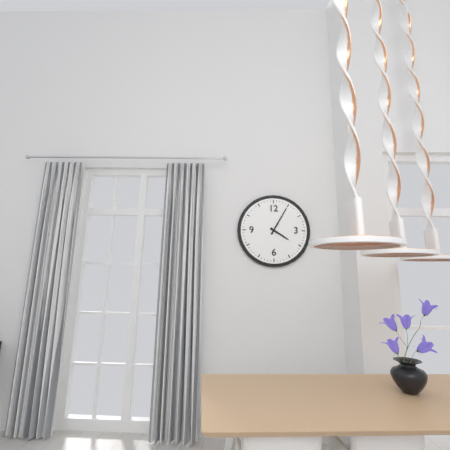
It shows 4:05
